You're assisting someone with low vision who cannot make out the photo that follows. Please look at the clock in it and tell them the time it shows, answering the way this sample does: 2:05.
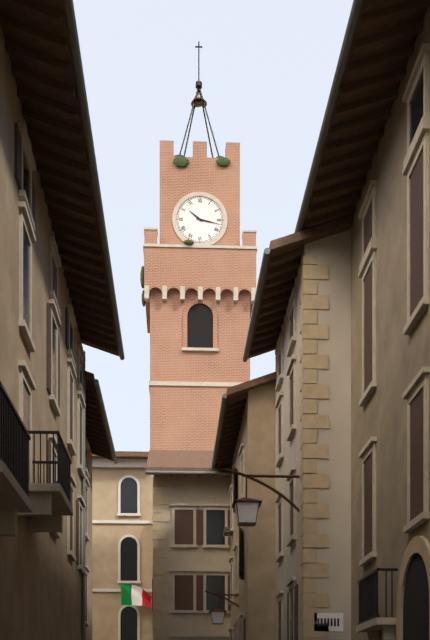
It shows 10:17
